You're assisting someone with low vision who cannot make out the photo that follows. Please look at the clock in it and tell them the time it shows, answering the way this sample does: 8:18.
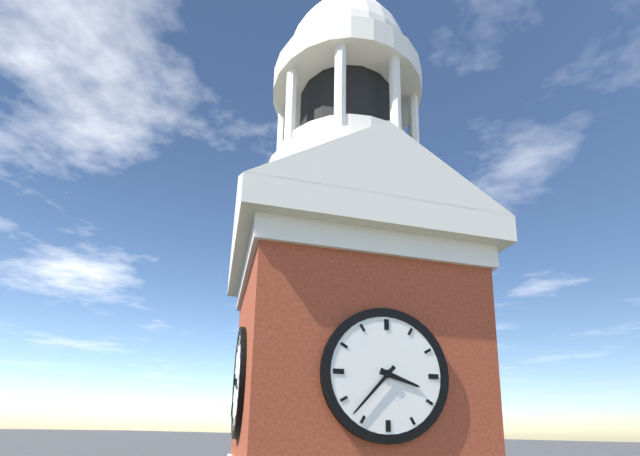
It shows 3:37
